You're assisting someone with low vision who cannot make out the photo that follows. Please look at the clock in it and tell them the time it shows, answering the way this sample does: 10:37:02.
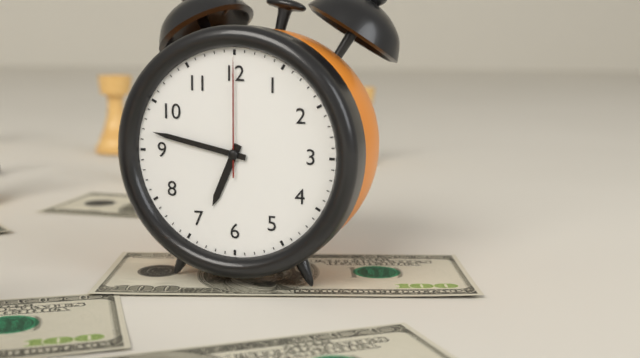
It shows 6:47:00
